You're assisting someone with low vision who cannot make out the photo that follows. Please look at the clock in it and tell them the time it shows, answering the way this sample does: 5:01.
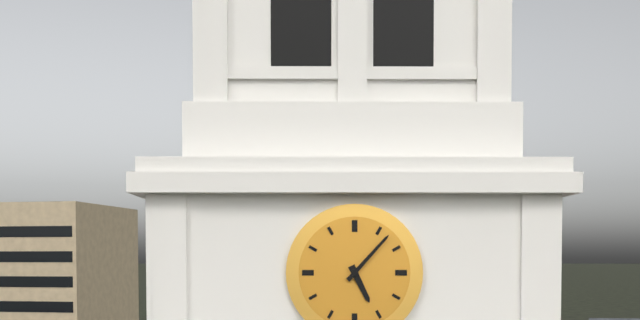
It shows 5:07
